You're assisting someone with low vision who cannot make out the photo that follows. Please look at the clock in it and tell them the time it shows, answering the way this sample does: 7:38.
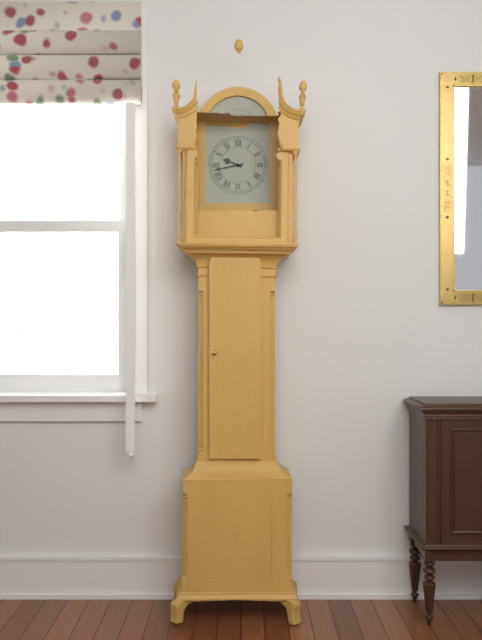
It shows 9:43
